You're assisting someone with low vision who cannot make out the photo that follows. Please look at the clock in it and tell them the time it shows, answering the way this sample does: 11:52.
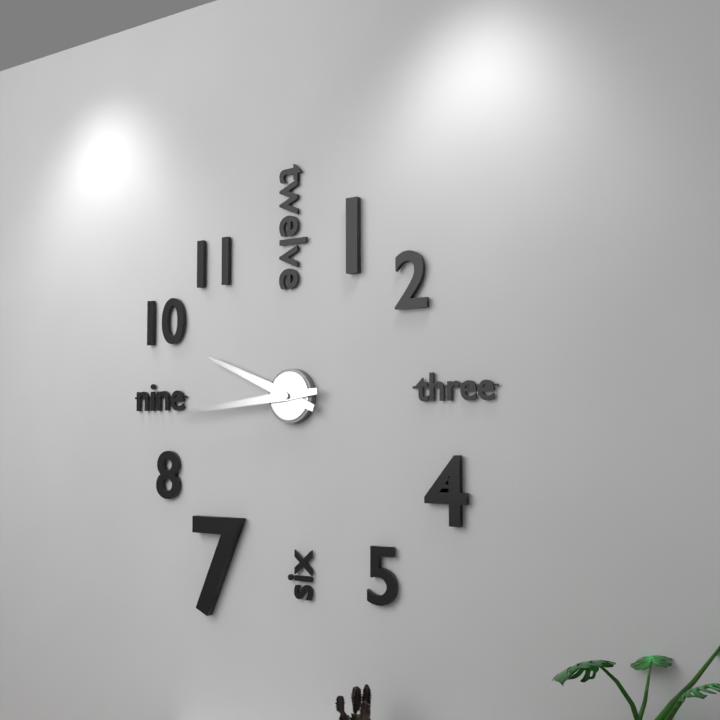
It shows 9:44
